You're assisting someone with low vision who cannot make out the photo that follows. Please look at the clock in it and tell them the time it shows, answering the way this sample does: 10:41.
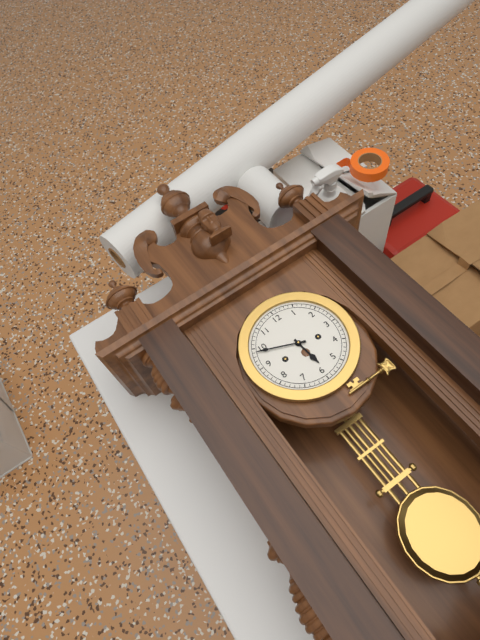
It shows 5:49
